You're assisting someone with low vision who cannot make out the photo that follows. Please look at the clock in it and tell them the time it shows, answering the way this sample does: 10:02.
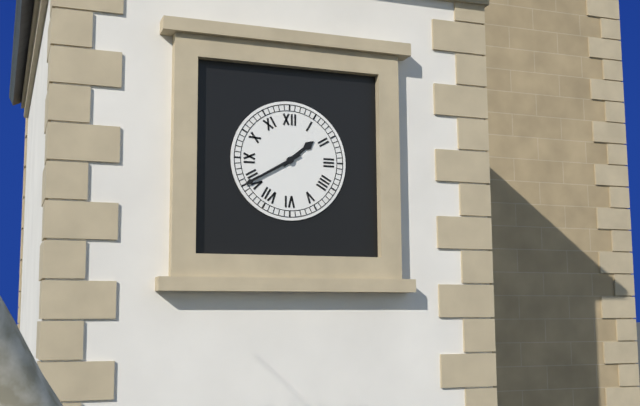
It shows 1:40
